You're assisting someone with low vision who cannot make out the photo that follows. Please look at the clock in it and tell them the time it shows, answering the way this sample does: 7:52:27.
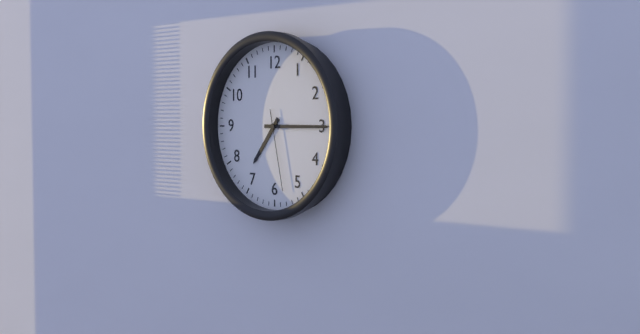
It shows 7:15:28
